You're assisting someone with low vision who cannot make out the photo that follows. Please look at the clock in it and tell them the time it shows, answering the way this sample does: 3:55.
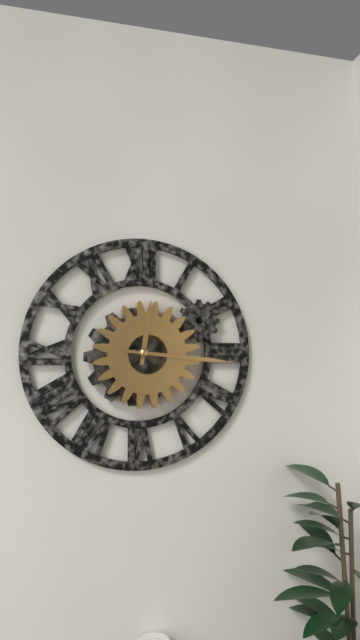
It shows 12:16
